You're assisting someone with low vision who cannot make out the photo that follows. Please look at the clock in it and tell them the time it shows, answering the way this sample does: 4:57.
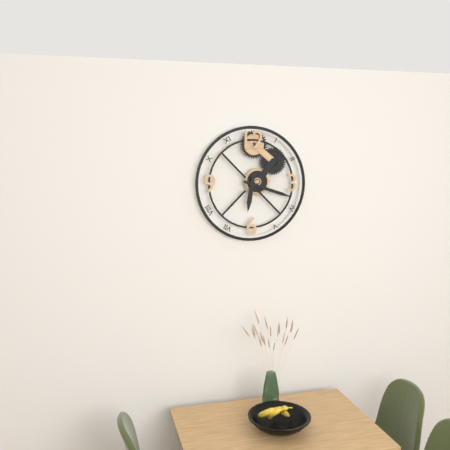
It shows 6:18
